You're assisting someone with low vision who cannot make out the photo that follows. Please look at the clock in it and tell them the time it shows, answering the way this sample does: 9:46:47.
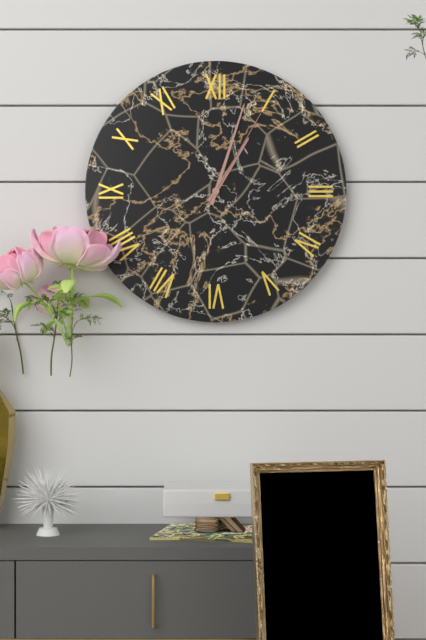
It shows 1:03:05
